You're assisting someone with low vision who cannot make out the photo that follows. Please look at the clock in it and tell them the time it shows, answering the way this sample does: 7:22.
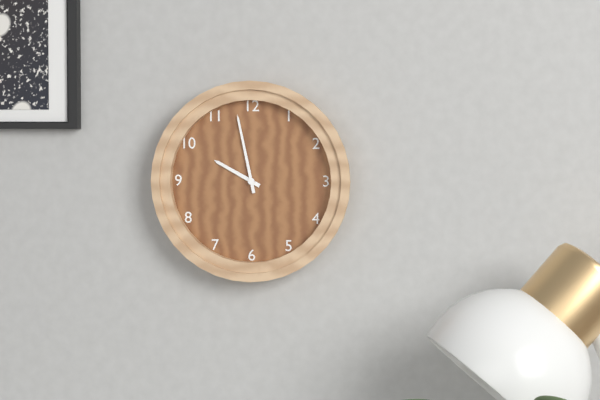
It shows 9:58
